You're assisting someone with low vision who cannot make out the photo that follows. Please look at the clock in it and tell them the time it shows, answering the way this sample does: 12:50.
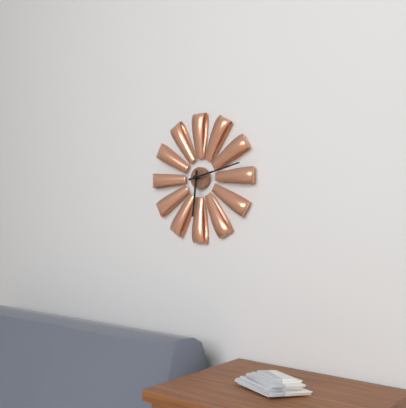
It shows 6:13
